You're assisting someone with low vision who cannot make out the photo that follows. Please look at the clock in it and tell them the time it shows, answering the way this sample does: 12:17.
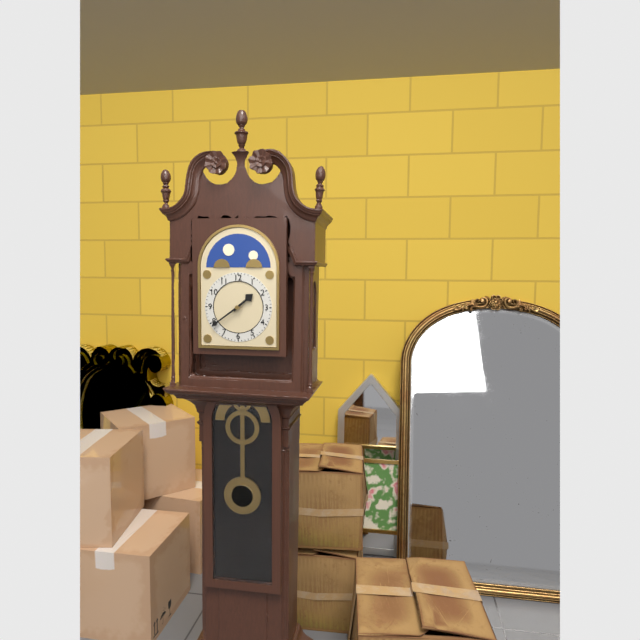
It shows 1:39
